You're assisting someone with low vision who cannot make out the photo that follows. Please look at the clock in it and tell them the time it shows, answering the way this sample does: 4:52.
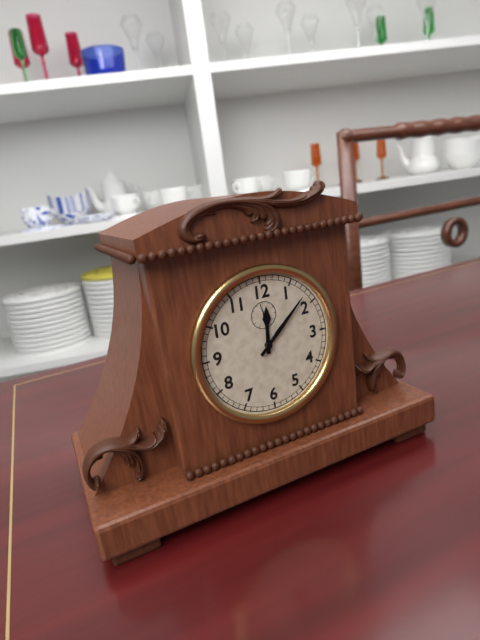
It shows 12:08
